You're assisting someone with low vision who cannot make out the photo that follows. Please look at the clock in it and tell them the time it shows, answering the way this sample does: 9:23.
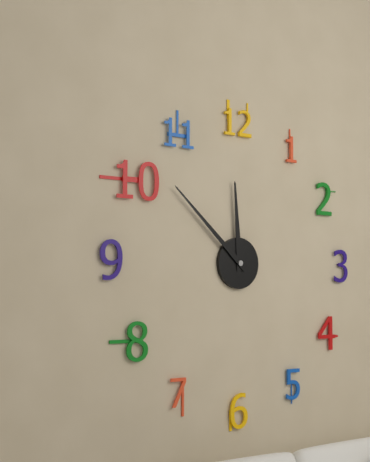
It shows 11:52
